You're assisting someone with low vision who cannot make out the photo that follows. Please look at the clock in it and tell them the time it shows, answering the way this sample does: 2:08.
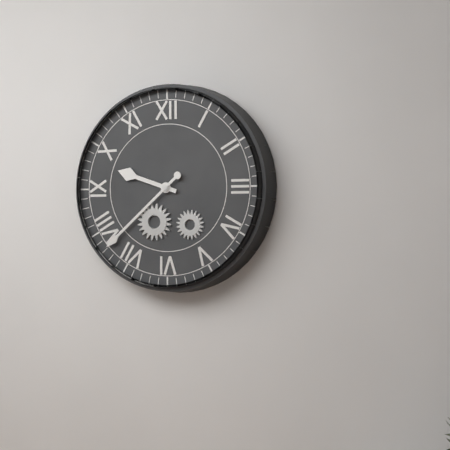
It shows 9:38
